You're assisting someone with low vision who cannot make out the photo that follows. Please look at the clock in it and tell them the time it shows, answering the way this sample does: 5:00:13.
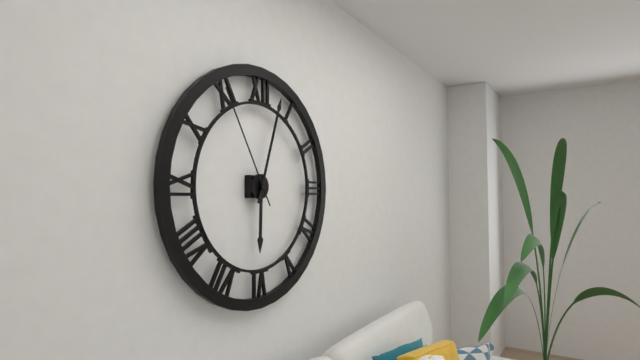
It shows 6:03:55
